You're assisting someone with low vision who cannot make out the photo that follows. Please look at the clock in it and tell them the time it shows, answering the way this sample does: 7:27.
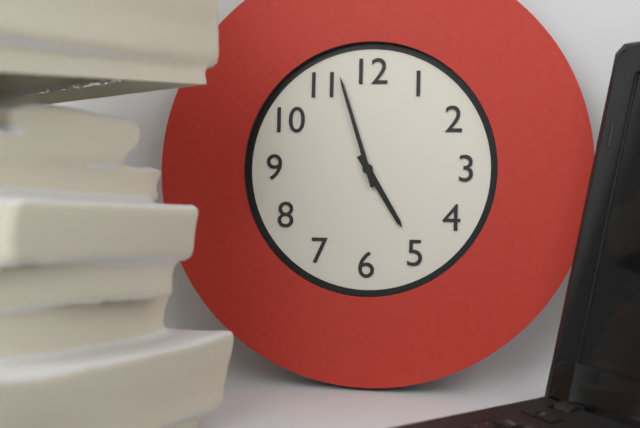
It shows 4:57
